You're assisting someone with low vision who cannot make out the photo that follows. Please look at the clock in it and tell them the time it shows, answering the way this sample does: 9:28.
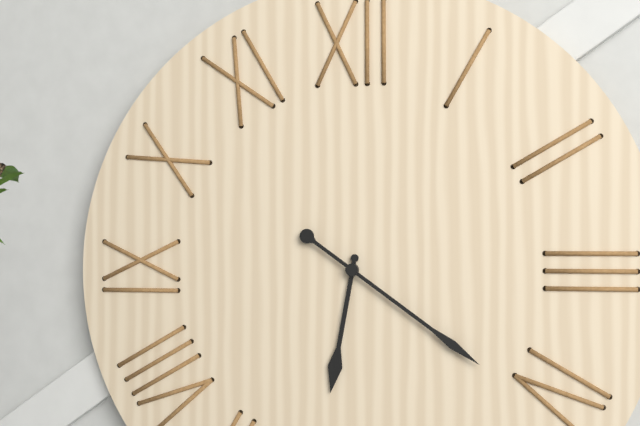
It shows 6:21
